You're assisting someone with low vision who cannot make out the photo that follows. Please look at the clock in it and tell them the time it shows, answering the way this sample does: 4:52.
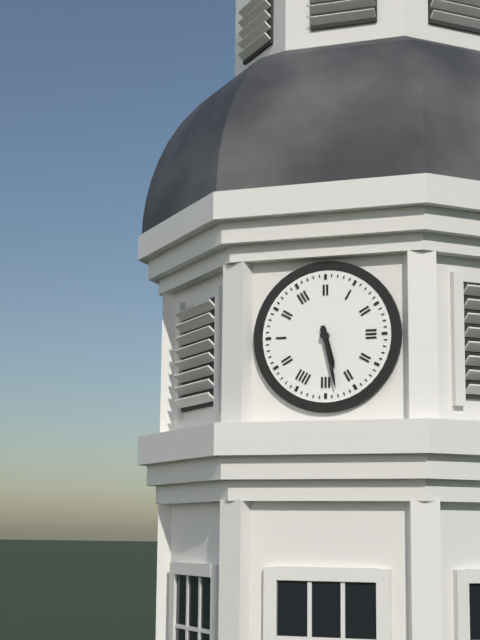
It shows 5:28
